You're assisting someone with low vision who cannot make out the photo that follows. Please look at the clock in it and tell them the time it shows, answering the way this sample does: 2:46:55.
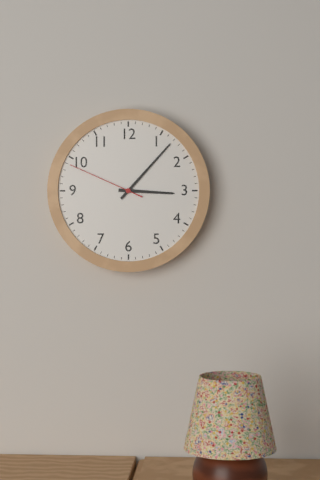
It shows 3:07:49
